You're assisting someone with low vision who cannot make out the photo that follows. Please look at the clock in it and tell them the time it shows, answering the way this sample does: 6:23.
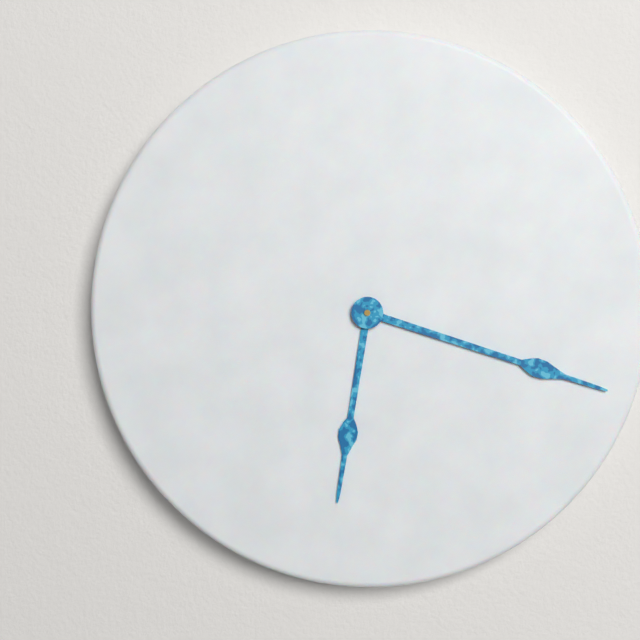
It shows 6:18
